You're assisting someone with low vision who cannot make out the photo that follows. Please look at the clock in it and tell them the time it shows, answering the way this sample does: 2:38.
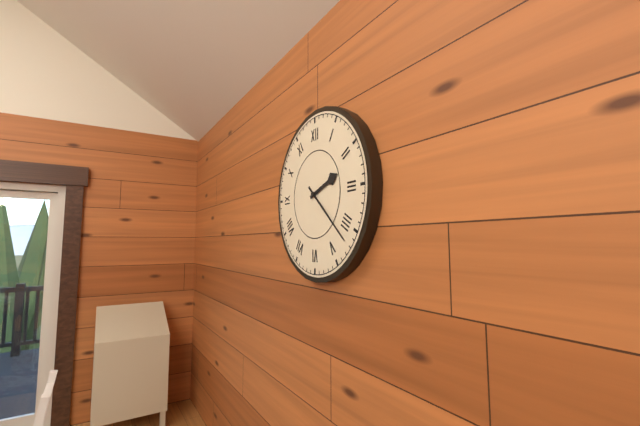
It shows 2:22
